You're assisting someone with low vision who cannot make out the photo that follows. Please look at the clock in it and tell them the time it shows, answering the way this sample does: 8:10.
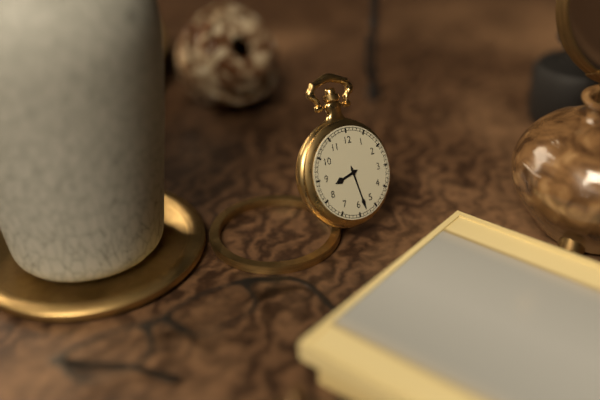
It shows 8:28
